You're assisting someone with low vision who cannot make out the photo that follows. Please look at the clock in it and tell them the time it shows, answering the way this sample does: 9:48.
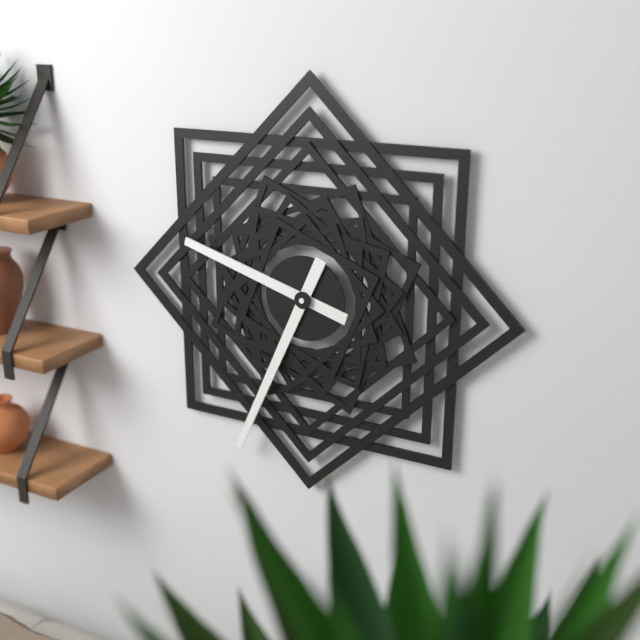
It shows 9:34
